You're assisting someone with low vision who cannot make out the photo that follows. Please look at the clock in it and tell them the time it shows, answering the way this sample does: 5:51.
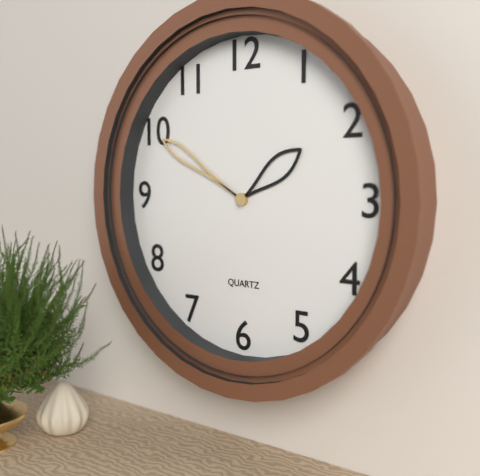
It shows 1:50
